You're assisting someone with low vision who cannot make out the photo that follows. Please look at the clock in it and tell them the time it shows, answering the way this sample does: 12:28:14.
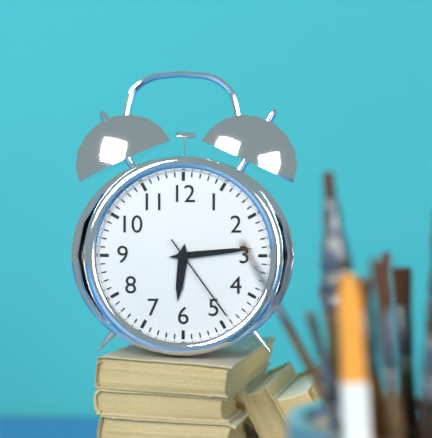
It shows 6:14:24
